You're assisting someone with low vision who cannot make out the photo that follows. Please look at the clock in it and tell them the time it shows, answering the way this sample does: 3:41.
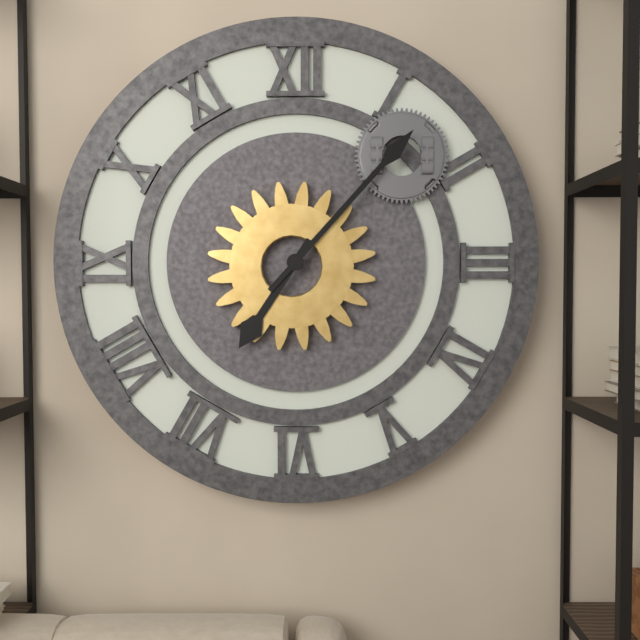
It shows 7:07
